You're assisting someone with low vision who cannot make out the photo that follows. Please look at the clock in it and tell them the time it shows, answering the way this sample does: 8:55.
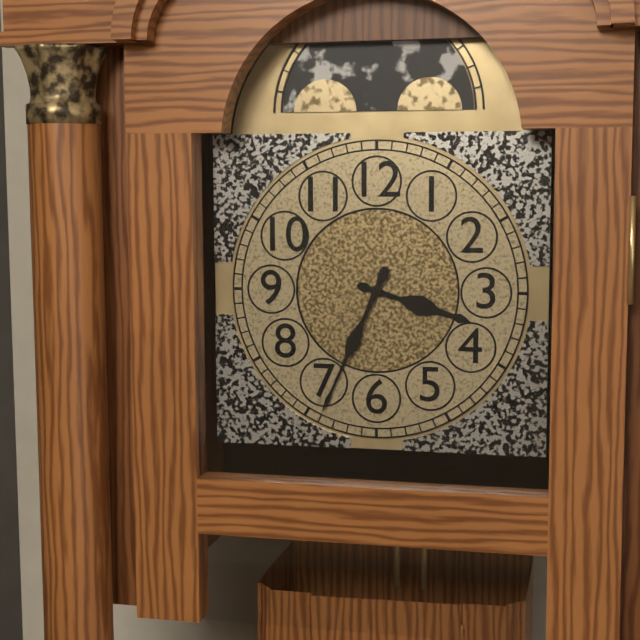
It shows 3:34
